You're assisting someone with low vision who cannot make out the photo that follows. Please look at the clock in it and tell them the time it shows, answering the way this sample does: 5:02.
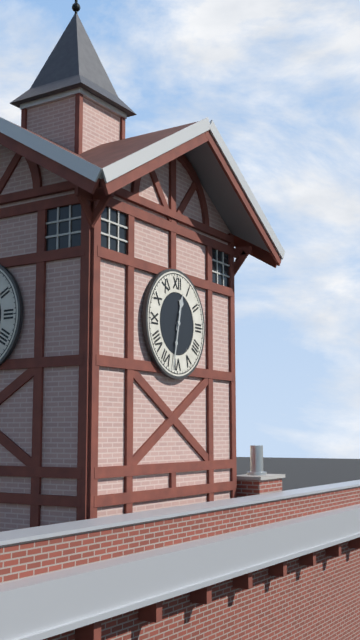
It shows 12:32
